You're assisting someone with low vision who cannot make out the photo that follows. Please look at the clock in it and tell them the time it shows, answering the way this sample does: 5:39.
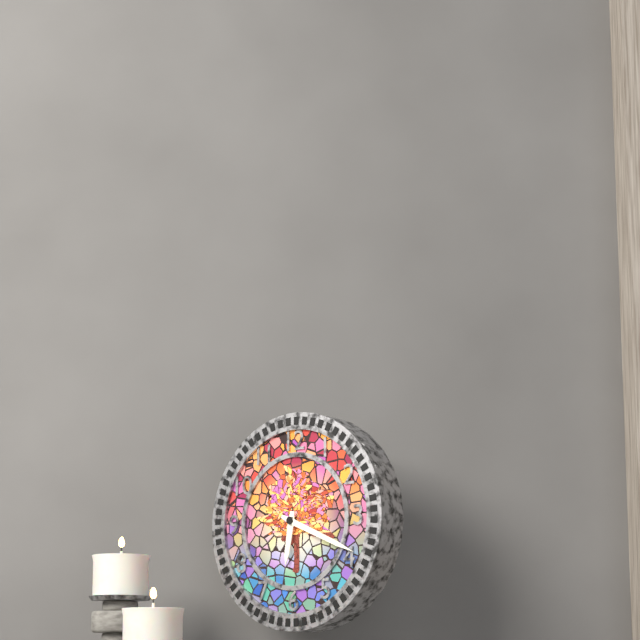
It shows 6:19
